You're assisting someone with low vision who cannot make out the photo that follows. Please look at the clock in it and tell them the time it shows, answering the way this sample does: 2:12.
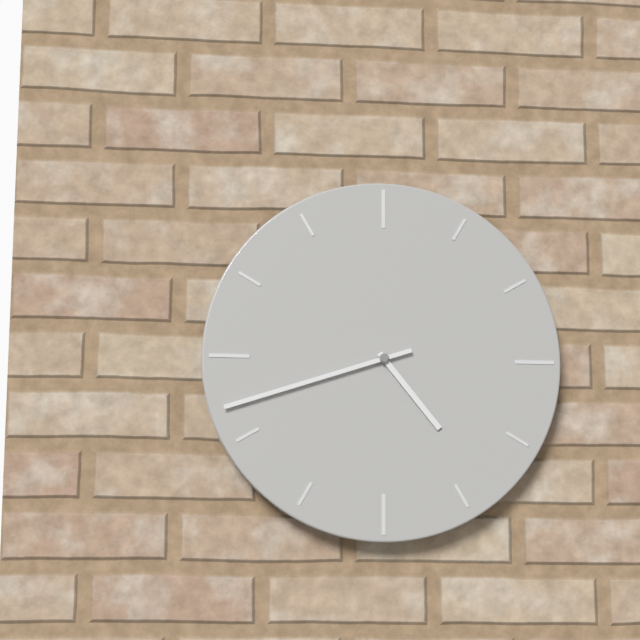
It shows 4:42
